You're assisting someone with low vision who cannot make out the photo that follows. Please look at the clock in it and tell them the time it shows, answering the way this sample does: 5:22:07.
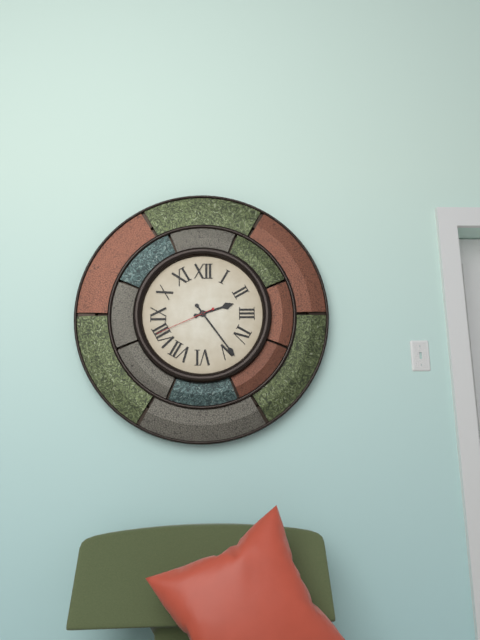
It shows 2:24:41
